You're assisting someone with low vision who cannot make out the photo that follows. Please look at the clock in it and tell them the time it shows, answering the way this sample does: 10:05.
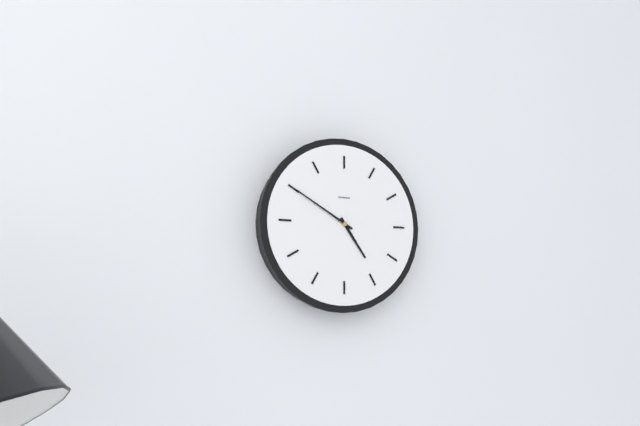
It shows 4:50
